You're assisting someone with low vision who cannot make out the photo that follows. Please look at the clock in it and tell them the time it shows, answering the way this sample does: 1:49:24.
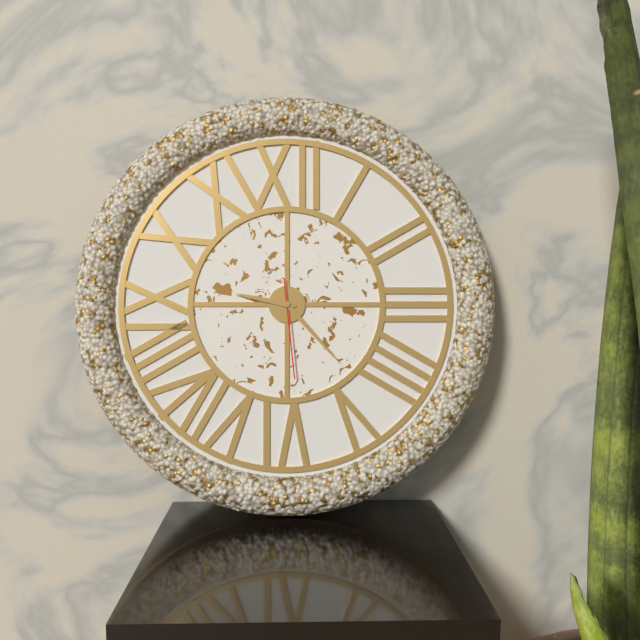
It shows 9:23:29
